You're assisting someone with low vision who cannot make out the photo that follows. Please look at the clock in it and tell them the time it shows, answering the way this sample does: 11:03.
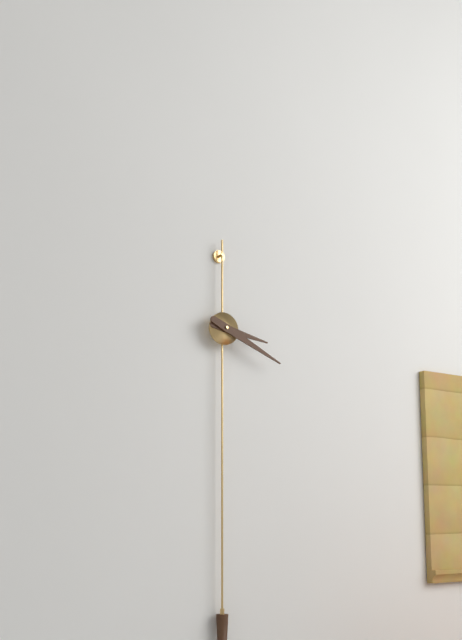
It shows 3:19
